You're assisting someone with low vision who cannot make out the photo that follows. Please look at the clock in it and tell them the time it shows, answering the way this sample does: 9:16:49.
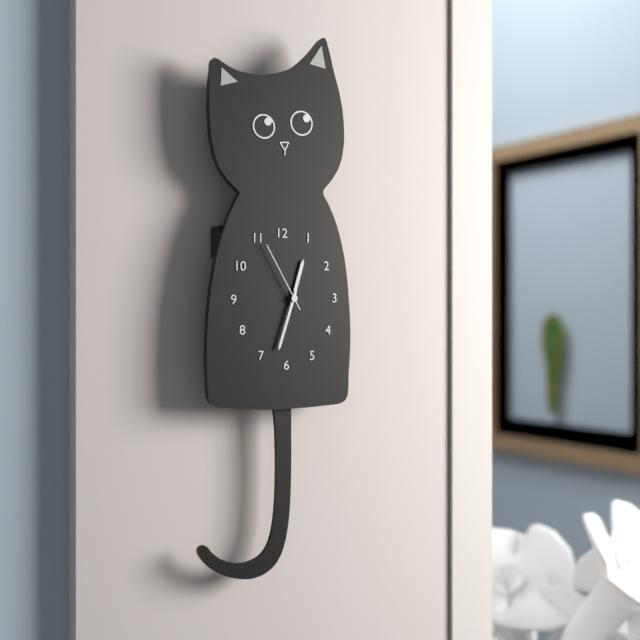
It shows 12:33:55
